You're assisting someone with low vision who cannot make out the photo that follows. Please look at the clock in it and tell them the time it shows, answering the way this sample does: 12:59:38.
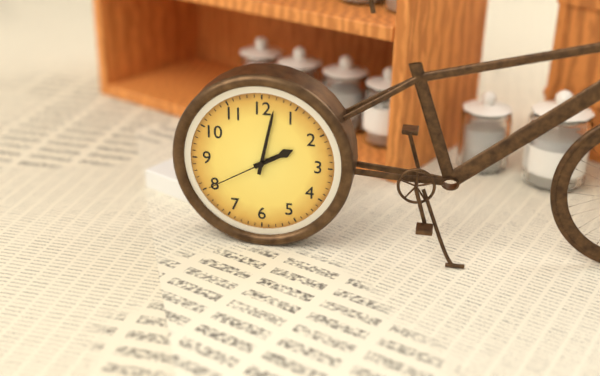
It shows 2:02:40
